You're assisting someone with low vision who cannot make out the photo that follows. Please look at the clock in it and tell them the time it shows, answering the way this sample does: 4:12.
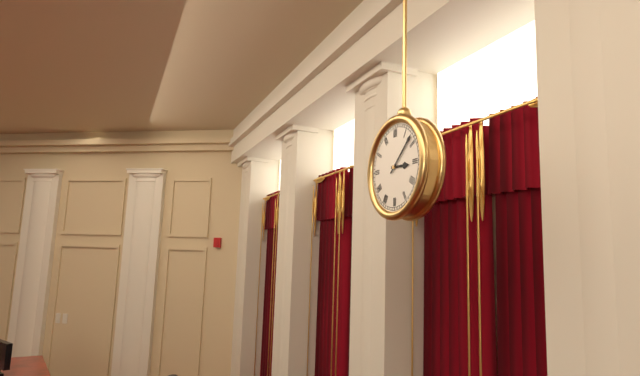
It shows 3:08
